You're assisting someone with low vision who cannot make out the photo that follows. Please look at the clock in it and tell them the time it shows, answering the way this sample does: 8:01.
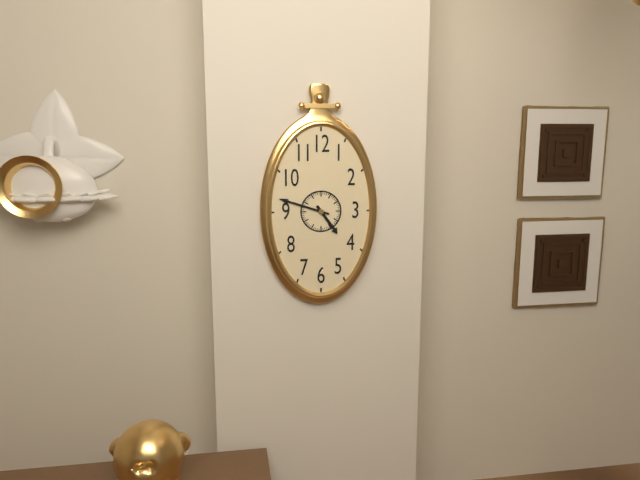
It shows 4:48
